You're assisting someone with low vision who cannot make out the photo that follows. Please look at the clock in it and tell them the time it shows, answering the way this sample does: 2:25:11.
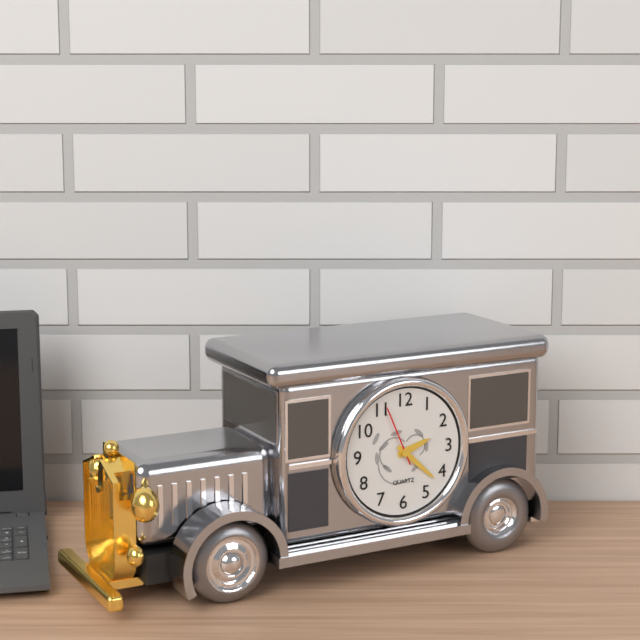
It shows 2:22:56
